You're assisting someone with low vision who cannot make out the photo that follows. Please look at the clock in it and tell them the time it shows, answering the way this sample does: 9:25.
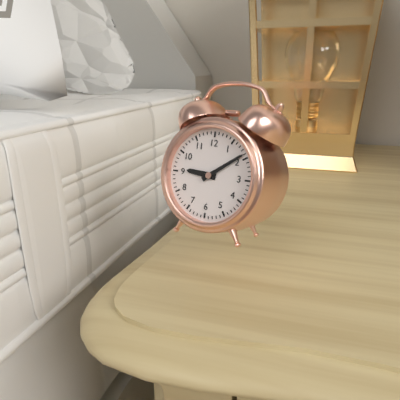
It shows 9:09
